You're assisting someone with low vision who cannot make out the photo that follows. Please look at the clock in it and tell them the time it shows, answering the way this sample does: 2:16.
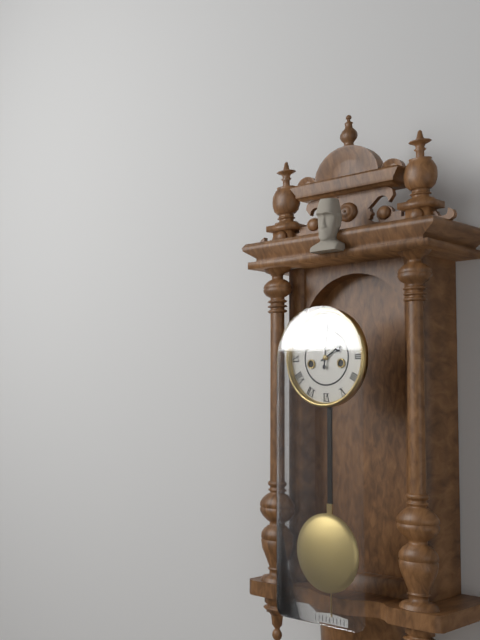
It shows 2:01
